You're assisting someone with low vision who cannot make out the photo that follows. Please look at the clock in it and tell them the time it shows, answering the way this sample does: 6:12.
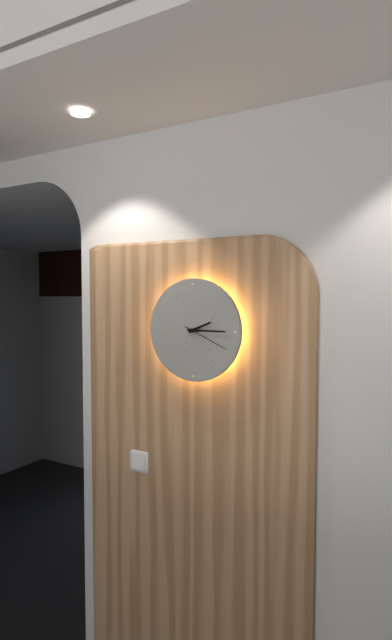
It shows 2:15
